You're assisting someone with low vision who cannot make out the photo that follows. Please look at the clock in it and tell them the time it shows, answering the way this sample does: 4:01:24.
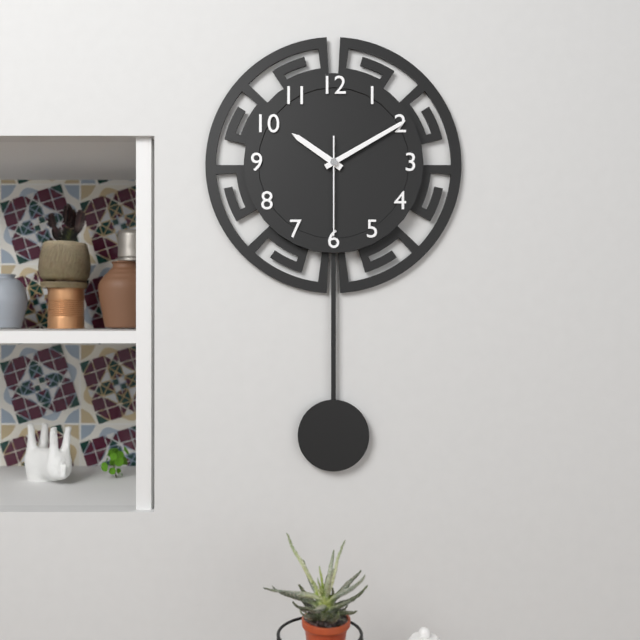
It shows 10:10:30
